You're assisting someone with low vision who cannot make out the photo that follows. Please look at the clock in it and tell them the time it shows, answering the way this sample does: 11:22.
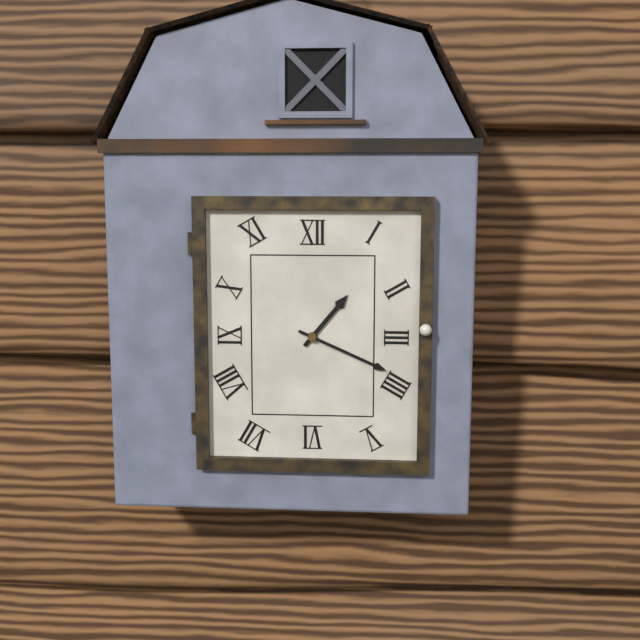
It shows 1:19
